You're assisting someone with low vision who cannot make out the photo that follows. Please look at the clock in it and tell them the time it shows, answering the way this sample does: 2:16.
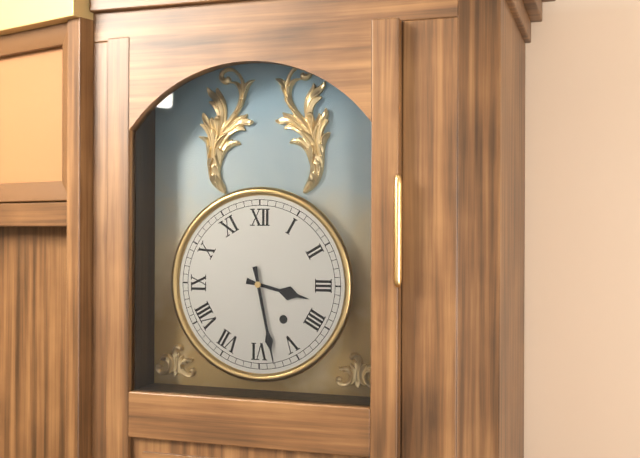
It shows 3:28
